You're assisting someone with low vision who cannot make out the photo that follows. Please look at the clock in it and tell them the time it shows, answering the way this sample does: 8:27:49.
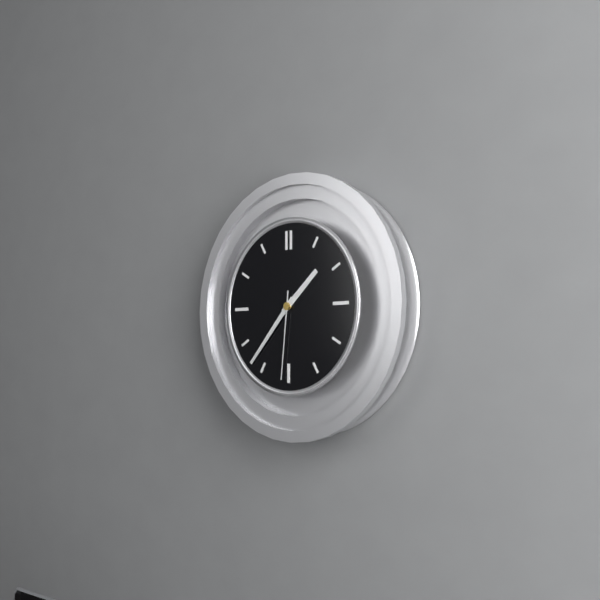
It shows 1:37:31
